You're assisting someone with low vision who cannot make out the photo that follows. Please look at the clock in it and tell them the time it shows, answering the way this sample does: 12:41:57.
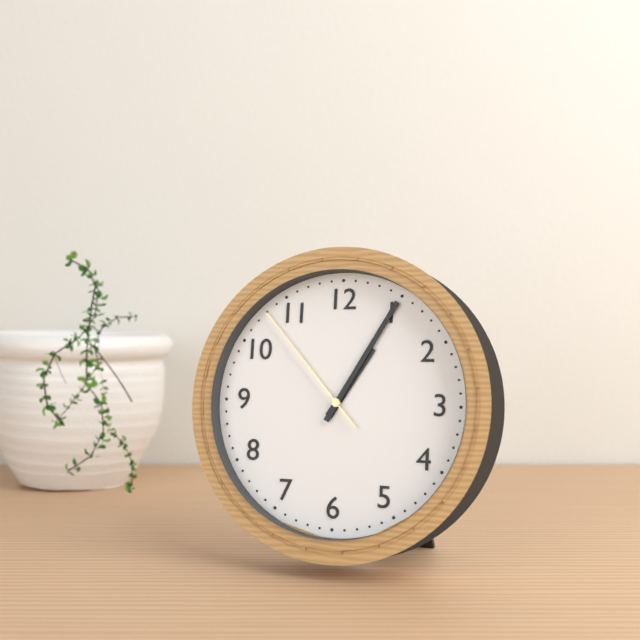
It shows 1:05:53
